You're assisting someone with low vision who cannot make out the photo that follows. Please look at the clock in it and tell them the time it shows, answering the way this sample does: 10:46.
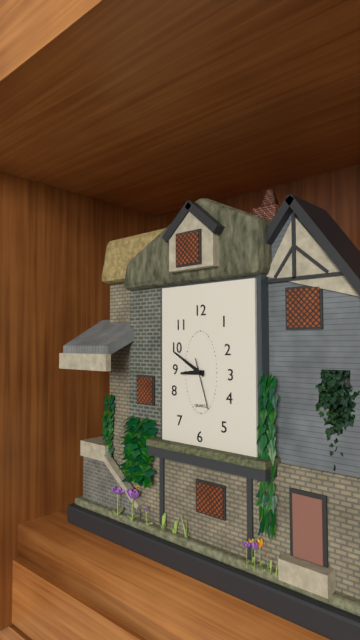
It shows 8:50
